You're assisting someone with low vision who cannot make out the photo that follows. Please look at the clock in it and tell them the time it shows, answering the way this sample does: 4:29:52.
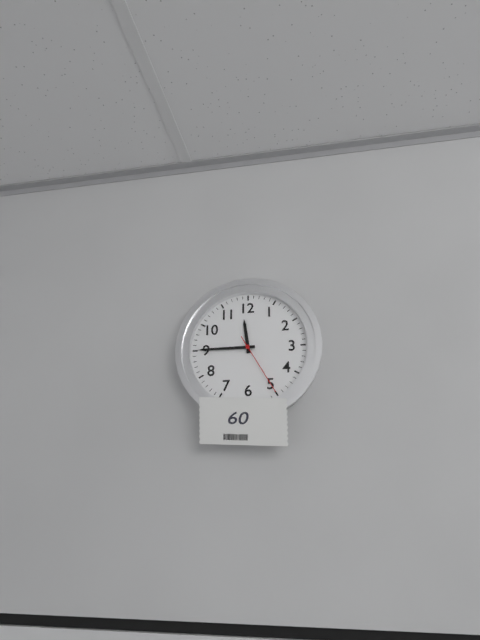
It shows 11:45:25
